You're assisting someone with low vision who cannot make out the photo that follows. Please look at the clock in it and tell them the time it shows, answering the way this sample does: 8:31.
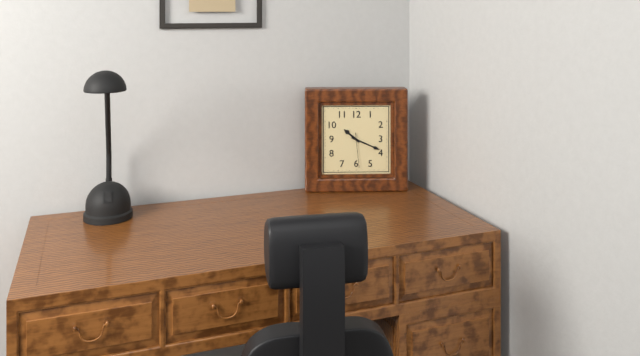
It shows 10:19
